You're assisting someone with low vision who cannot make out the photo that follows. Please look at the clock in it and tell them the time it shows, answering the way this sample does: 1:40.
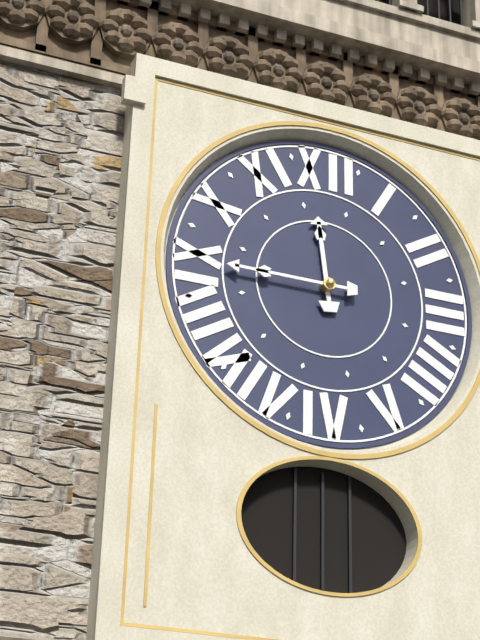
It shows 11:45
